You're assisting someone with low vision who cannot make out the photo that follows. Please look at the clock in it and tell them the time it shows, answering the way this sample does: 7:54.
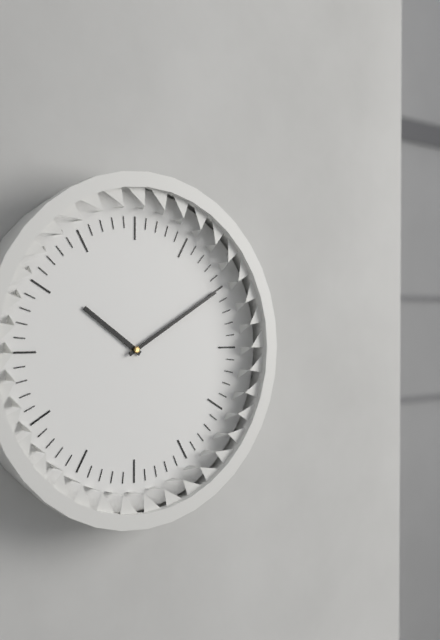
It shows 10:10
